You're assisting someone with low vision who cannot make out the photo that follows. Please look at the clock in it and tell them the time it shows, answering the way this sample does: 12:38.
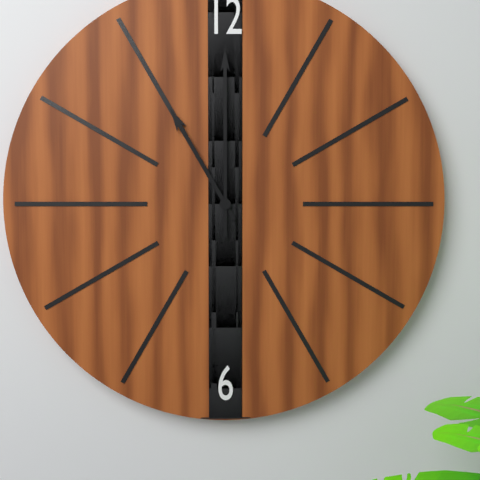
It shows 11:00
